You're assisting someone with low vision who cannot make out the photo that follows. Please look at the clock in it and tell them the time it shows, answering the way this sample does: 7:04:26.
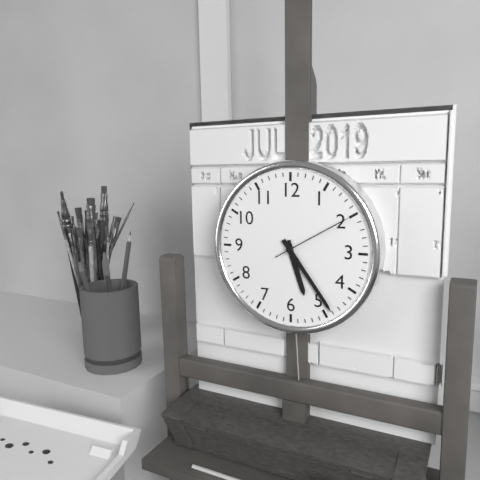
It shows 5:24:10
